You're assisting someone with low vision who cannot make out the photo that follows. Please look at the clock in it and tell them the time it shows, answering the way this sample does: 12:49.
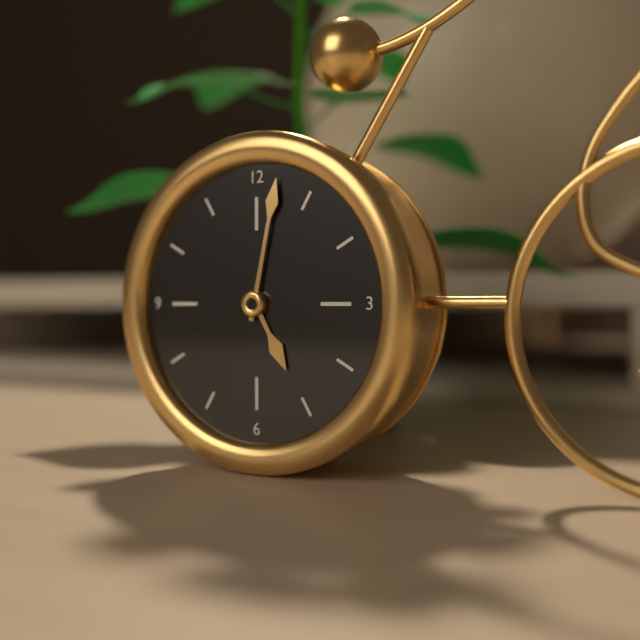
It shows 5:02
